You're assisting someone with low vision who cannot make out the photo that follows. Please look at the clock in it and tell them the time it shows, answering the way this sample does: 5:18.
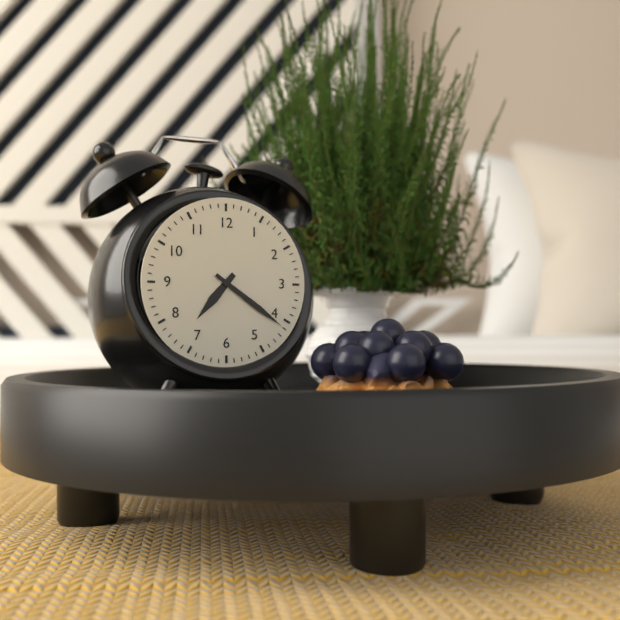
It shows 7:21
